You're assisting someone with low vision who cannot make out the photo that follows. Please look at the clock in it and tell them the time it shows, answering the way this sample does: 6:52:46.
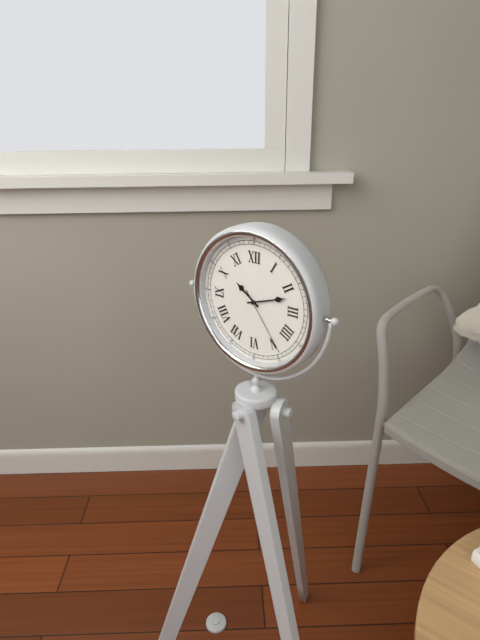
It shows 10:12:24
